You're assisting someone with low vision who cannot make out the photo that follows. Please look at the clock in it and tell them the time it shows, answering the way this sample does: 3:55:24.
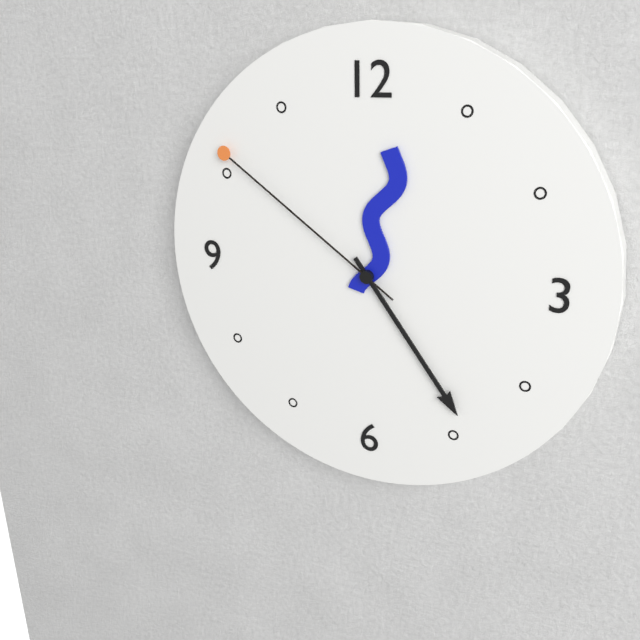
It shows 12:24:51
